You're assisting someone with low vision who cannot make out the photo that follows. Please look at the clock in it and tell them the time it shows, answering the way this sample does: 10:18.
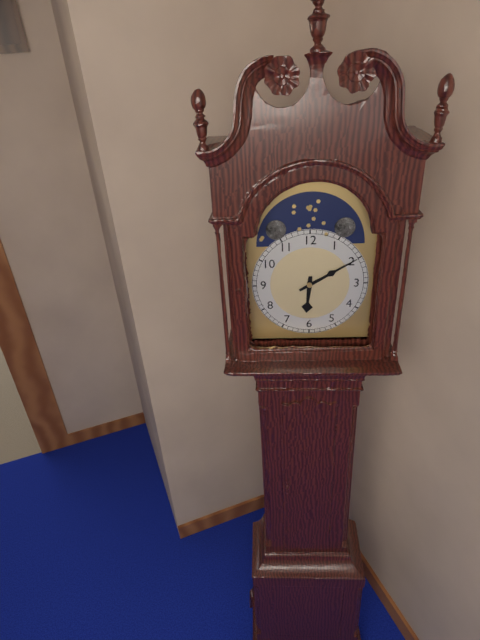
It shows 6:10
